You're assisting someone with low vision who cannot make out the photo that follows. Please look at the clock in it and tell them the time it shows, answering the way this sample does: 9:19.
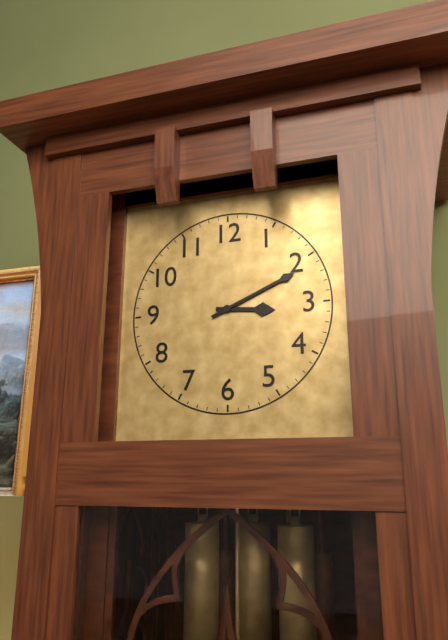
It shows 3:11
